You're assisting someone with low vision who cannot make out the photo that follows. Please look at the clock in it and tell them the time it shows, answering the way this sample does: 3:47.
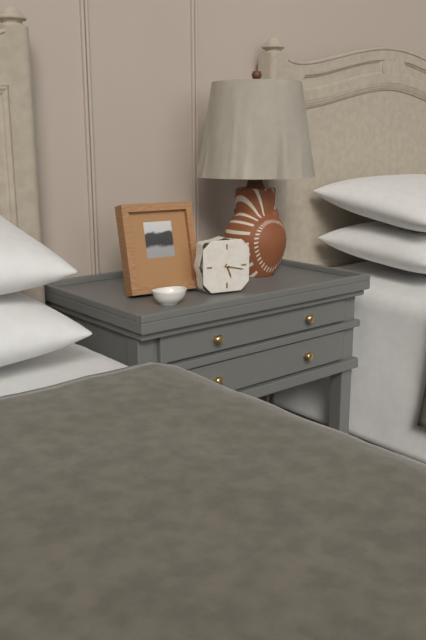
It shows 5:17
